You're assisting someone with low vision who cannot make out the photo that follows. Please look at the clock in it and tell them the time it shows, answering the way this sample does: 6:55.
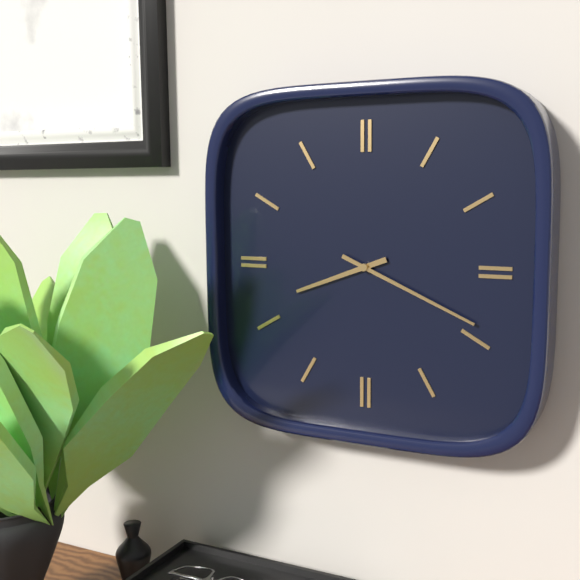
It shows 8:19
